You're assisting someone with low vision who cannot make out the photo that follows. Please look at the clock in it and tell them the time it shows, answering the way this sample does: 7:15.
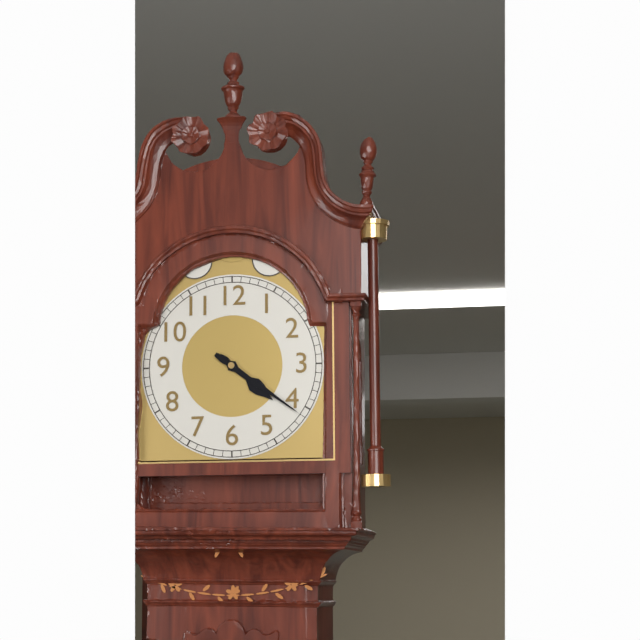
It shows 4:21
